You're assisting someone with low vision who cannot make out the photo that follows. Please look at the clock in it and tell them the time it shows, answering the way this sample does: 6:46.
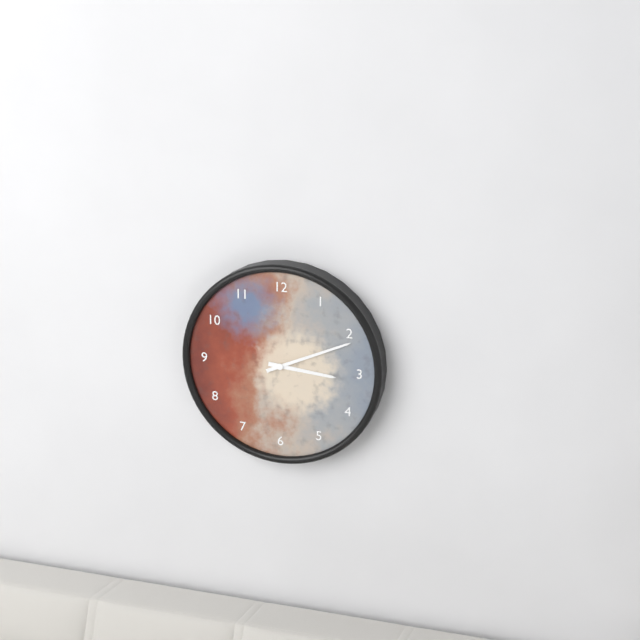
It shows 3:11
